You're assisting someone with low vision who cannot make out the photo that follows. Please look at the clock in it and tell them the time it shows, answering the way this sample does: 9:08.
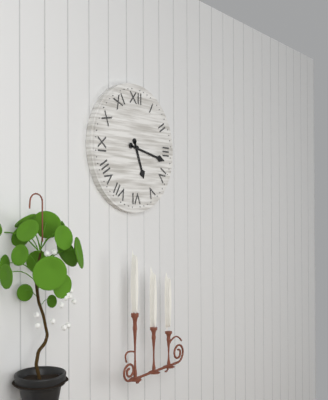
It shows 5:17
